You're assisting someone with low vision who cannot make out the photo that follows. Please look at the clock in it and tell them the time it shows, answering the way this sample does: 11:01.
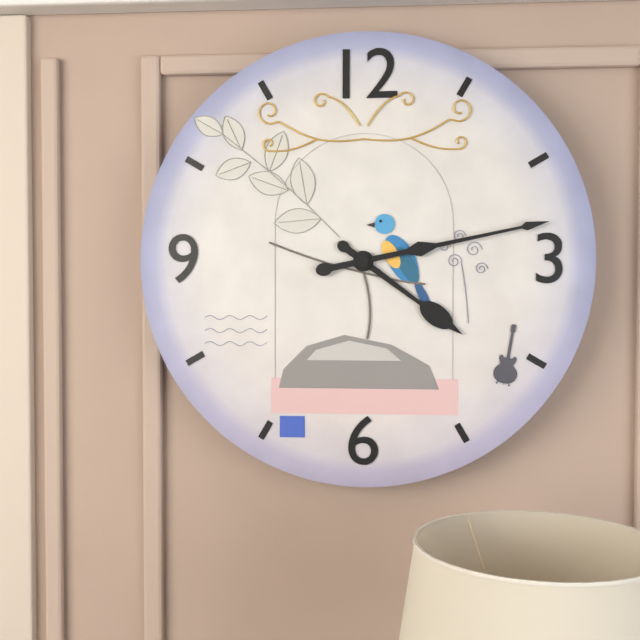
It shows 4:13
